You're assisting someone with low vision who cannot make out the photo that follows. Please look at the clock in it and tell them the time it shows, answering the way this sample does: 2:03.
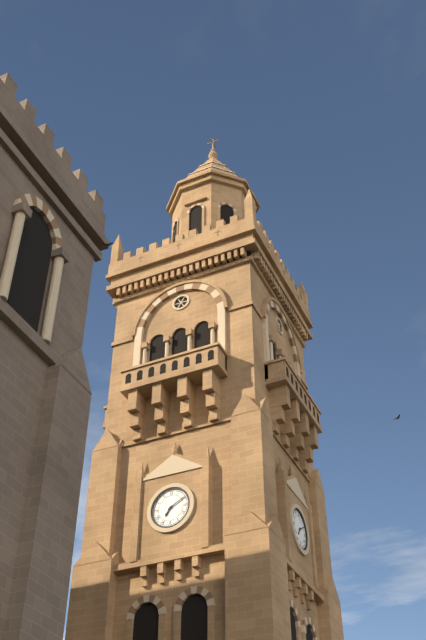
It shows 7:10
